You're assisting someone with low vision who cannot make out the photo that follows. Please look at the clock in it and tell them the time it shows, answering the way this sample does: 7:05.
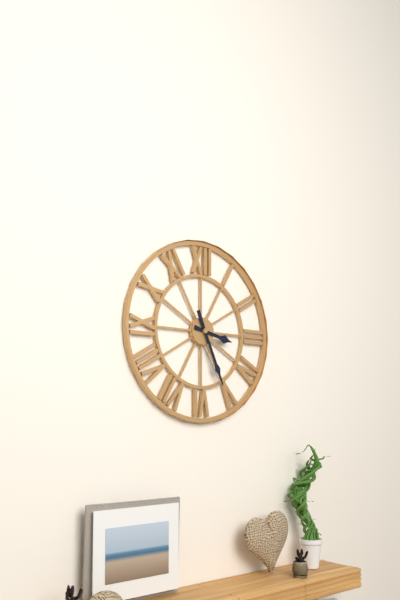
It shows 3:26
